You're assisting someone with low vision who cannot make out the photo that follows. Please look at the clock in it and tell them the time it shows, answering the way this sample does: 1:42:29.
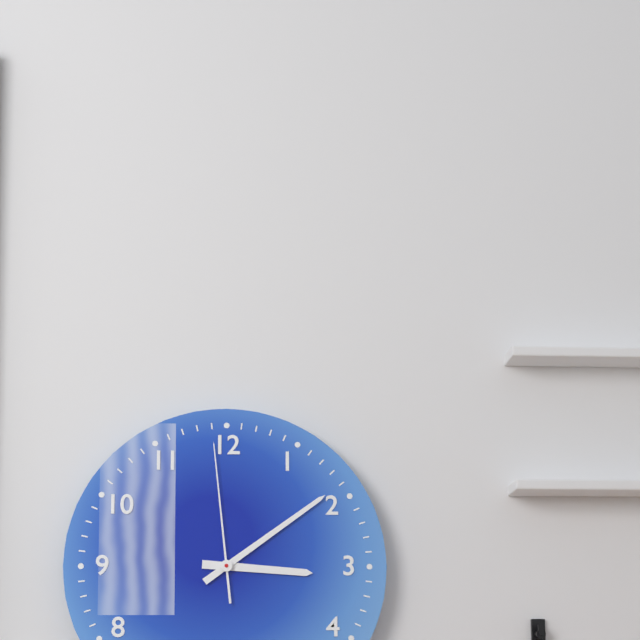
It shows 3:09:59
